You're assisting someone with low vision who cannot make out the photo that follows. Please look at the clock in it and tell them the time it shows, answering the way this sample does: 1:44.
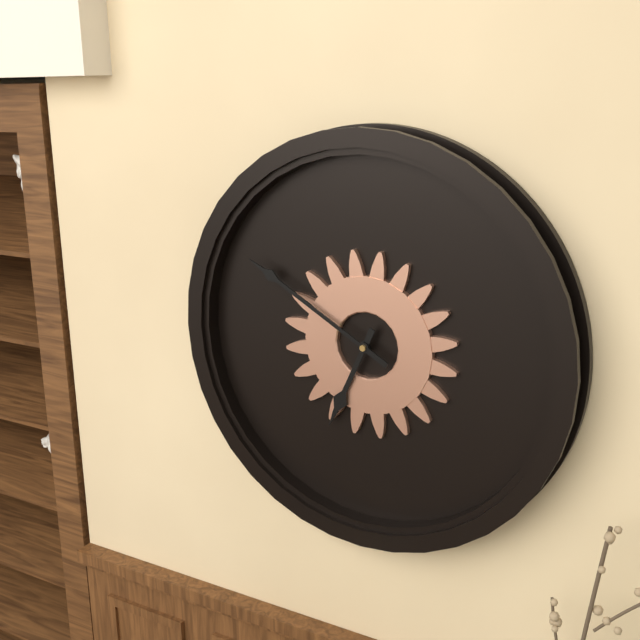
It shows 6:50
